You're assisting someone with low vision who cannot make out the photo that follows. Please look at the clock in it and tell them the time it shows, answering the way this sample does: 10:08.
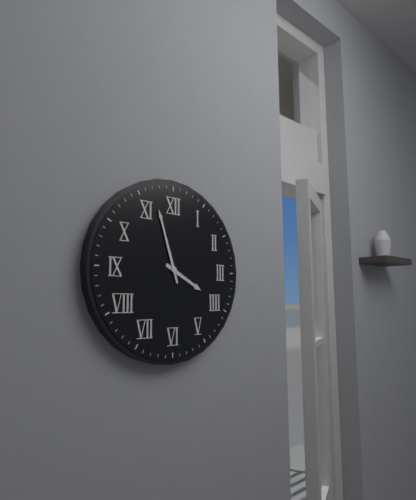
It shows 3:57
